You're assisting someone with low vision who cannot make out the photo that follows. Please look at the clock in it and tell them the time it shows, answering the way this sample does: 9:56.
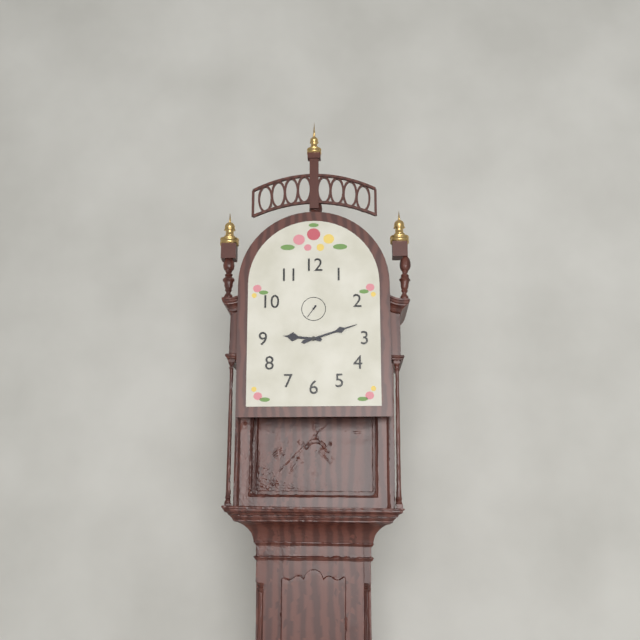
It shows 9:12
